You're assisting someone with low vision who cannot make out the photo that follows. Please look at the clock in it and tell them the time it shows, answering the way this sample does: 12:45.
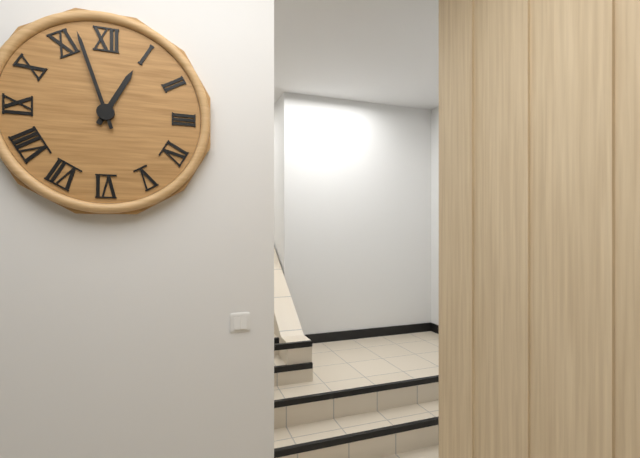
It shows 12:57
